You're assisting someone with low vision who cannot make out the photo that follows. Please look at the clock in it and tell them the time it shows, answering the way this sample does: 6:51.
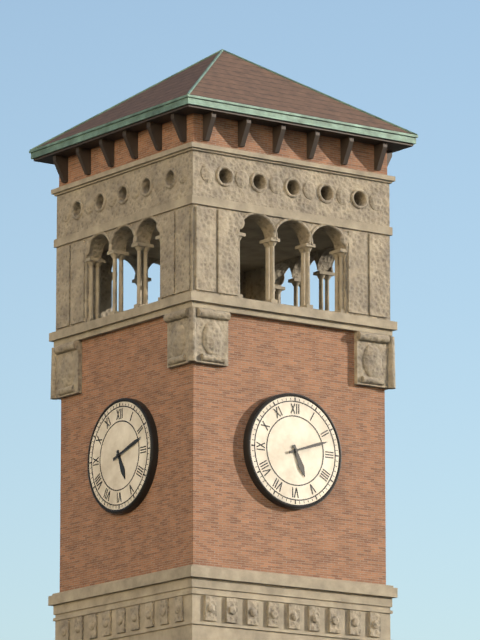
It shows 5:12
